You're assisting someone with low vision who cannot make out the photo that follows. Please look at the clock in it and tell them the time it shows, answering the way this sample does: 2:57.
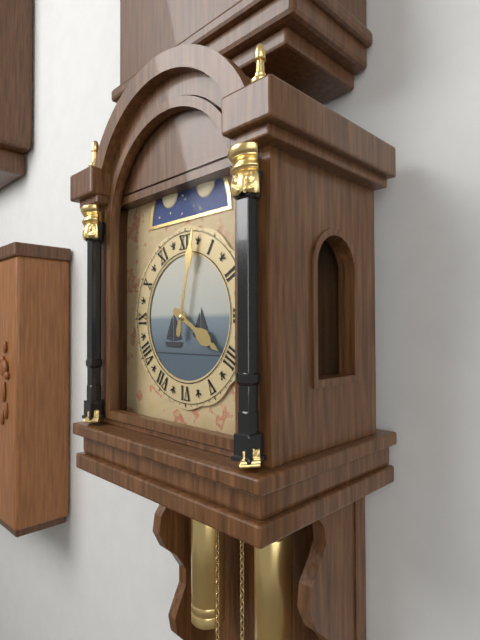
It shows 4:02
